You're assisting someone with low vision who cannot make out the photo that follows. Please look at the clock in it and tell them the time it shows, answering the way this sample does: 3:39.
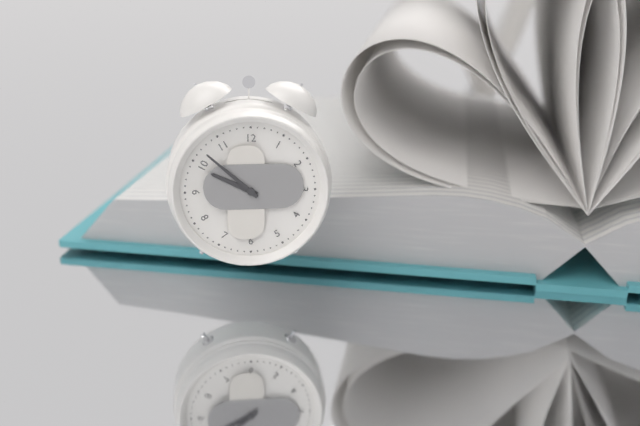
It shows 9:52
